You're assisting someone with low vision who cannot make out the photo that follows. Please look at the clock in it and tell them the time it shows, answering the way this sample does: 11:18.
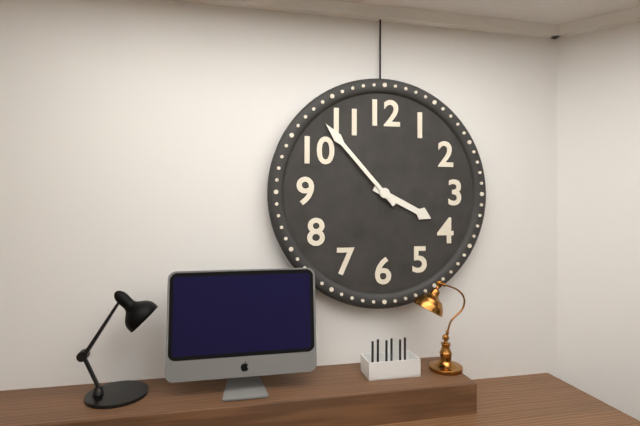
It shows 3:53
